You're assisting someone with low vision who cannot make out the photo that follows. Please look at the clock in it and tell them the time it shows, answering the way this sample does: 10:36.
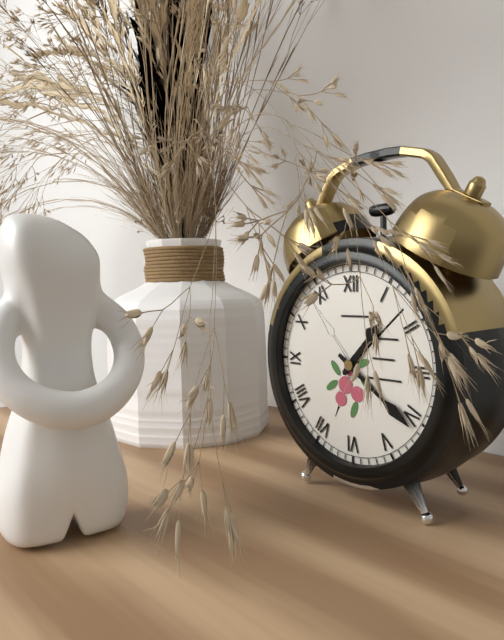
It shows 1:21
